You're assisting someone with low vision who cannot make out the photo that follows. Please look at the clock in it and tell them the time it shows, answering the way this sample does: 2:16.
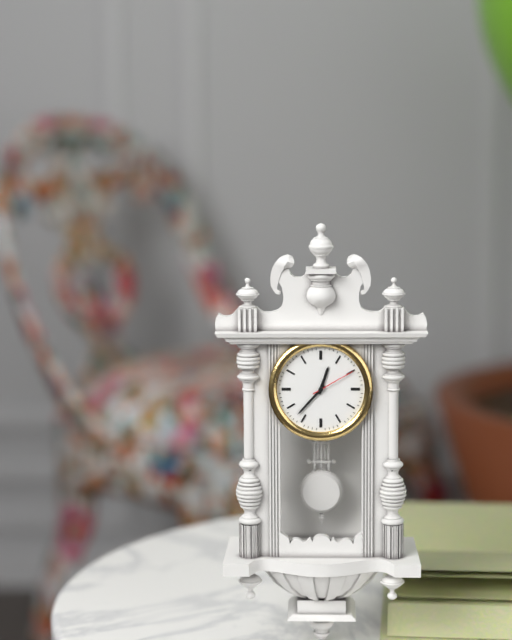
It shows 12:37
